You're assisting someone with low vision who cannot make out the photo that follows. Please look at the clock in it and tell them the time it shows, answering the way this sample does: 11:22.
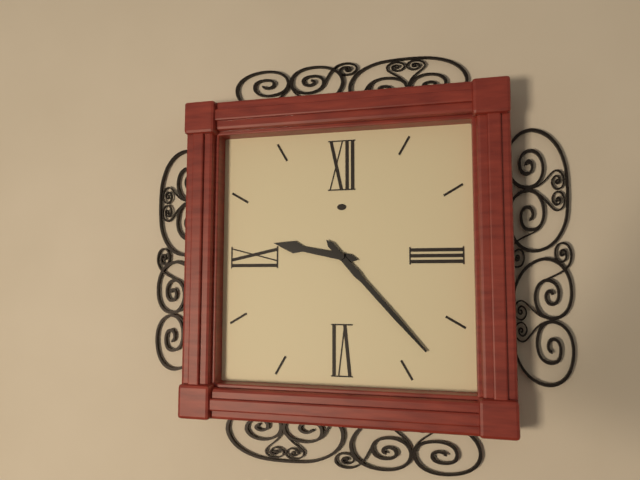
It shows 9:23
